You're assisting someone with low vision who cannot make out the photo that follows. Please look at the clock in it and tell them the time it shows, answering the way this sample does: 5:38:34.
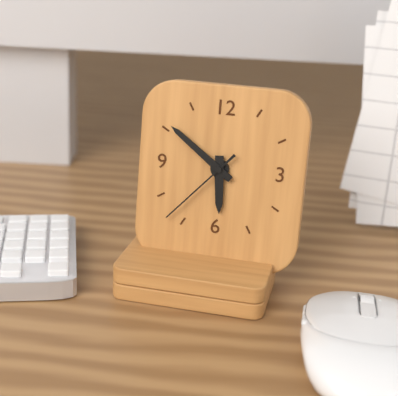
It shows 5:51:37
